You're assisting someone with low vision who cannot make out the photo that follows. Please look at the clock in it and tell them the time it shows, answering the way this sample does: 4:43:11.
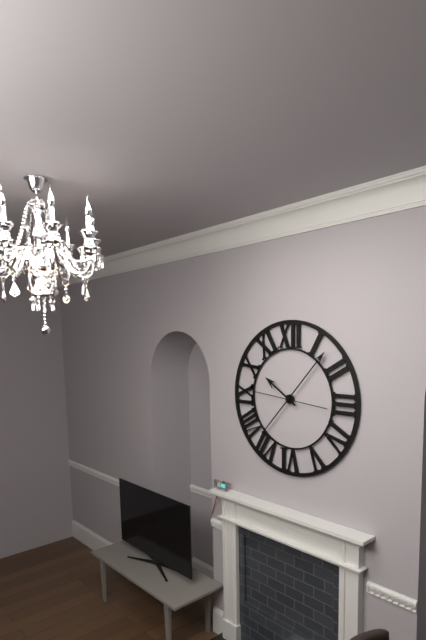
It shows 10:07:46
